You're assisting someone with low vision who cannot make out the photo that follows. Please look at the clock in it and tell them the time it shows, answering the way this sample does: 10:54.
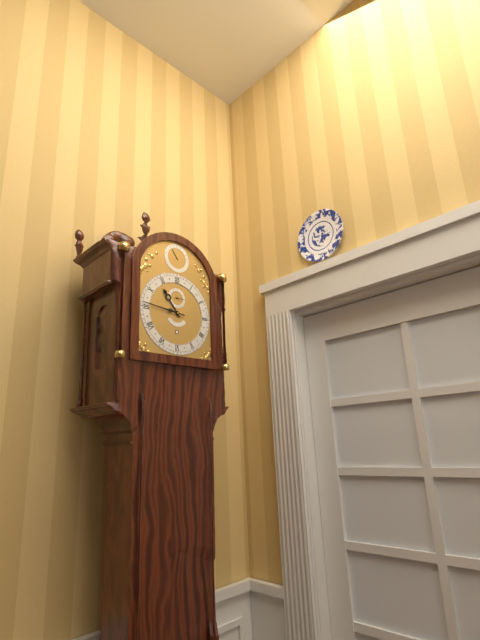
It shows 10:46
